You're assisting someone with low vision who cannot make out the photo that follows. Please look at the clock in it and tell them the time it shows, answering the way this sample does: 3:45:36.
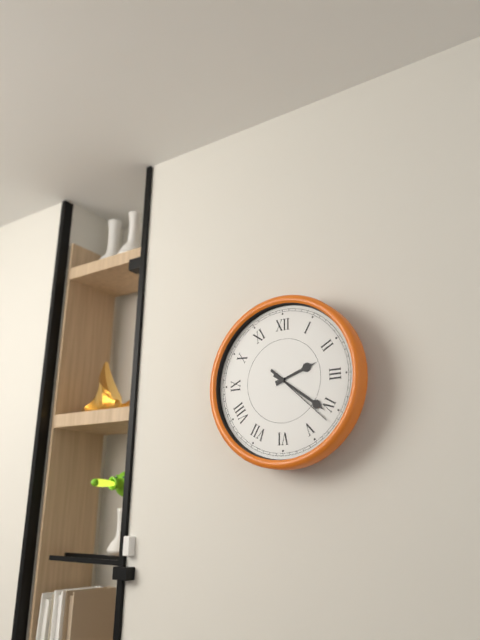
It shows 2:21:22
